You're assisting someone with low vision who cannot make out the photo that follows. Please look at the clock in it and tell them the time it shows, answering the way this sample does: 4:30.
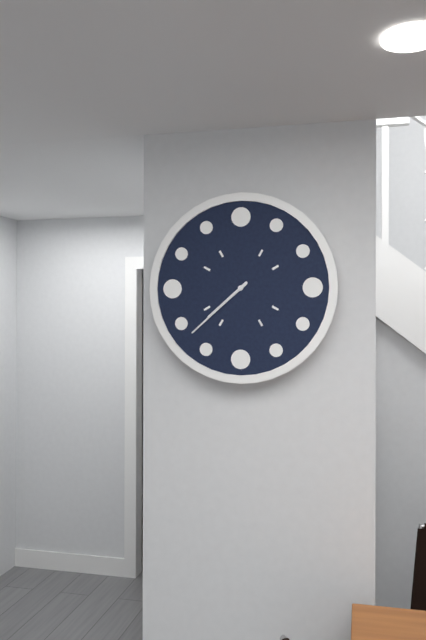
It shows 7:38
